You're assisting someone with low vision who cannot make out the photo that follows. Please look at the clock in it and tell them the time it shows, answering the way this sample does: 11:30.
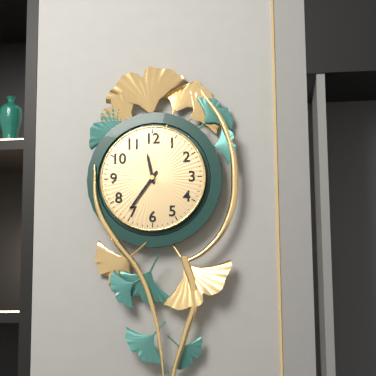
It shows 11:36
